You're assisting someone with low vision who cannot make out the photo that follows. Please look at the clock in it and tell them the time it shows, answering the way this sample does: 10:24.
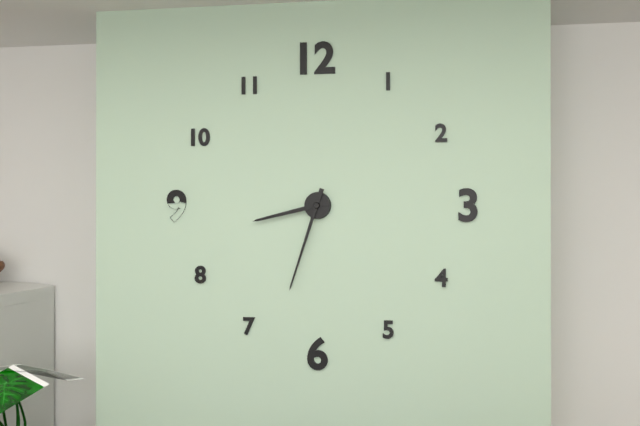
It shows 8:33
